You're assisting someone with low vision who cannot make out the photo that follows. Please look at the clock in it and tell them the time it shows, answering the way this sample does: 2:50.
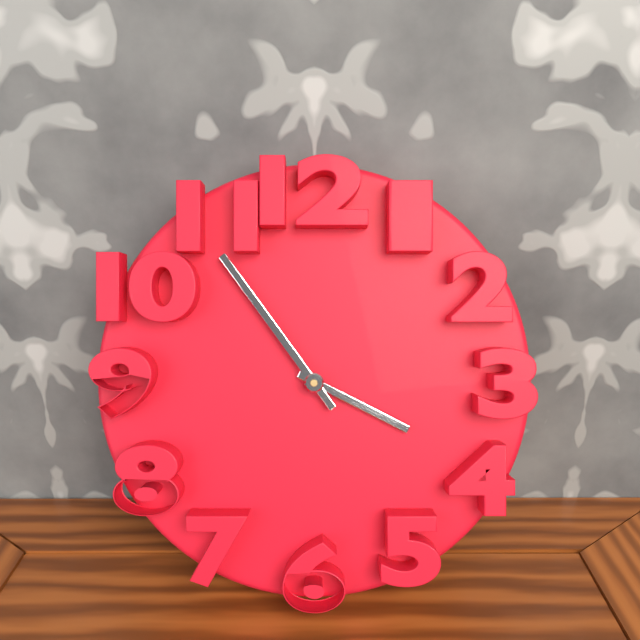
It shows 3:54
